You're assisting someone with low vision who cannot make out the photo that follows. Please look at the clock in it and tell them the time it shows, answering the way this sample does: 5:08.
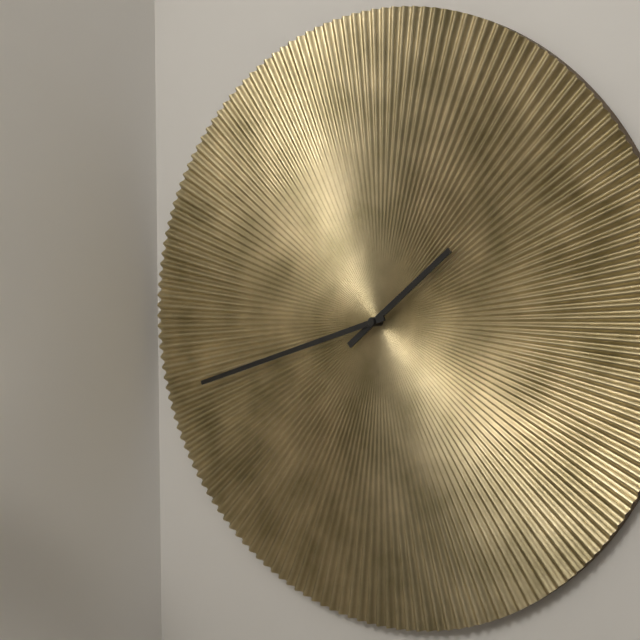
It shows 1:42
